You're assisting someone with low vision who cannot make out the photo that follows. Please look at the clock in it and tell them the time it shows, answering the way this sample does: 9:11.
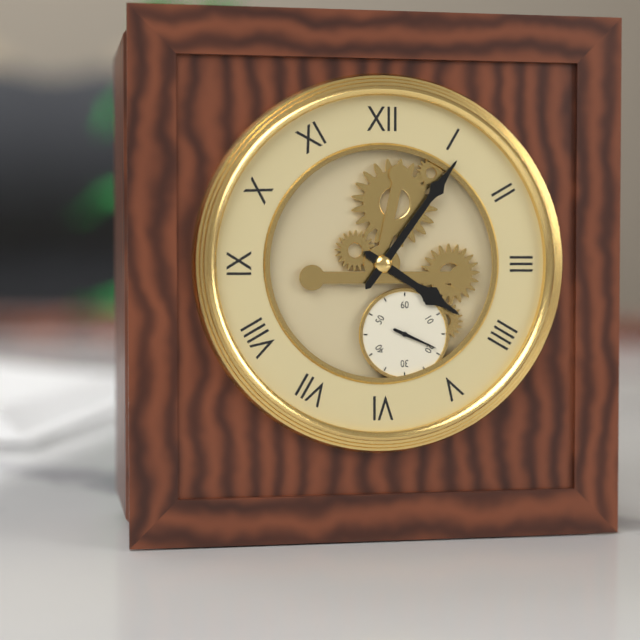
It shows 4:06
